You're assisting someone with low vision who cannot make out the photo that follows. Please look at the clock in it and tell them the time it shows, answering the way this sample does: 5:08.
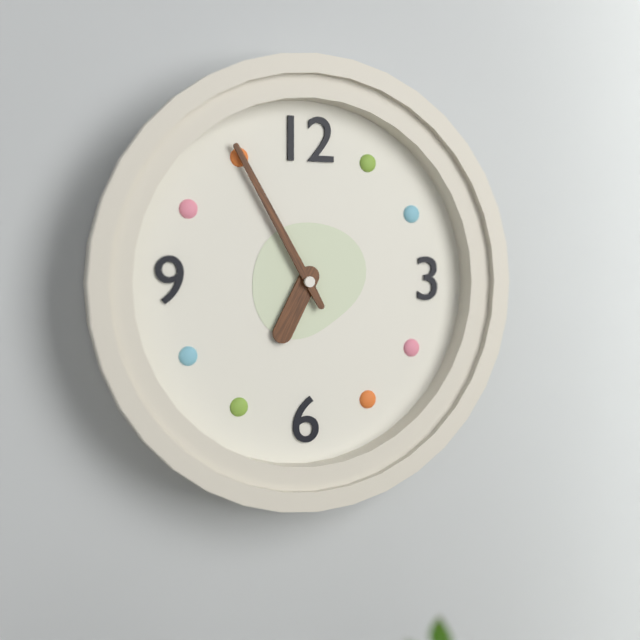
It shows 6:55
